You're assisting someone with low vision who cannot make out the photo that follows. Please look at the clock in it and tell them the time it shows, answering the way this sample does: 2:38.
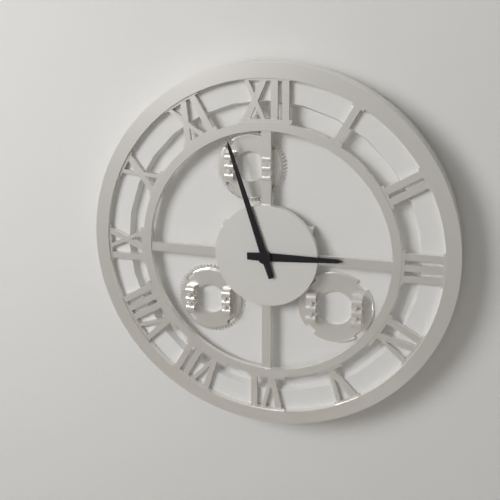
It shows 2:57
